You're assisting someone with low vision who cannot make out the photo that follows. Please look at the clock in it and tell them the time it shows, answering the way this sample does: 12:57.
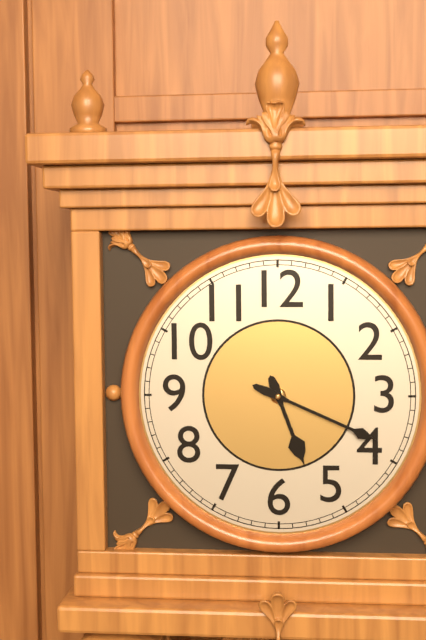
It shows 5:19
